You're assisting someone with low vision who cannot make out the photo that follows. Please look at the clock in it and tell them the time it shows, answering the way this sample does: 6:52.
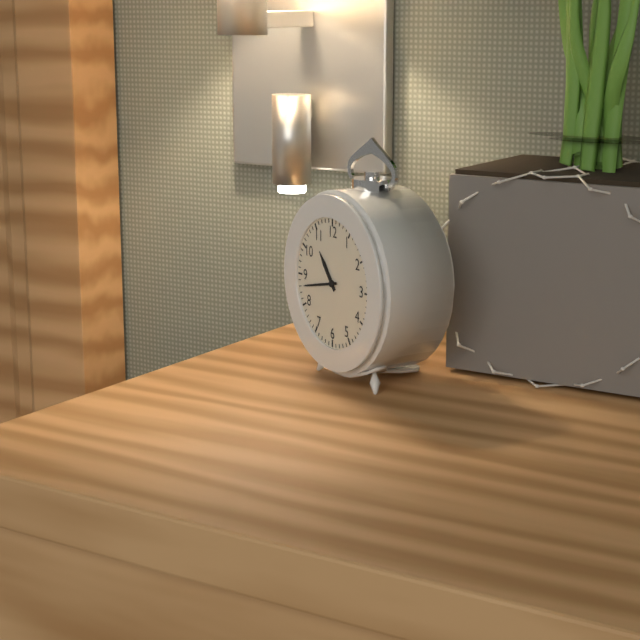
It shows 10:43
